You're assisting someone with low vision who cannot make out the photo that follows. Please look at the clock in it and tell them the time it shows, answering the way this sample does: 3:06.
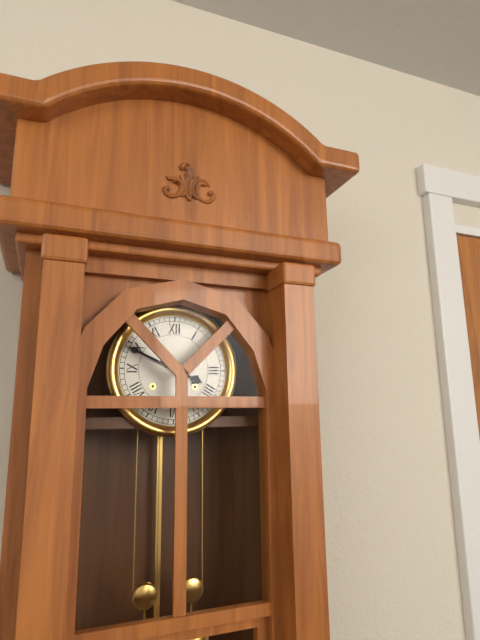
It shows 3:49
